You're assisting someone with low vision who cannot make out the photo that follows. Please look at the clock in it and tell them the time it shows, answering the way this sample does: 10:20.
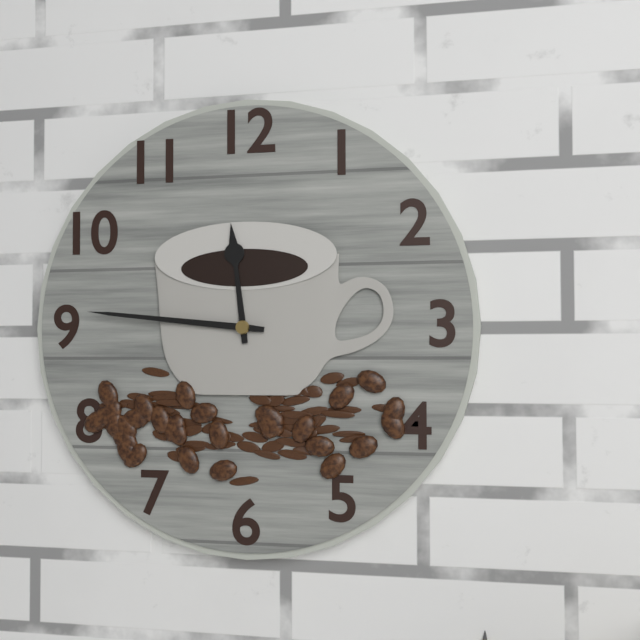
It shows 11:46
